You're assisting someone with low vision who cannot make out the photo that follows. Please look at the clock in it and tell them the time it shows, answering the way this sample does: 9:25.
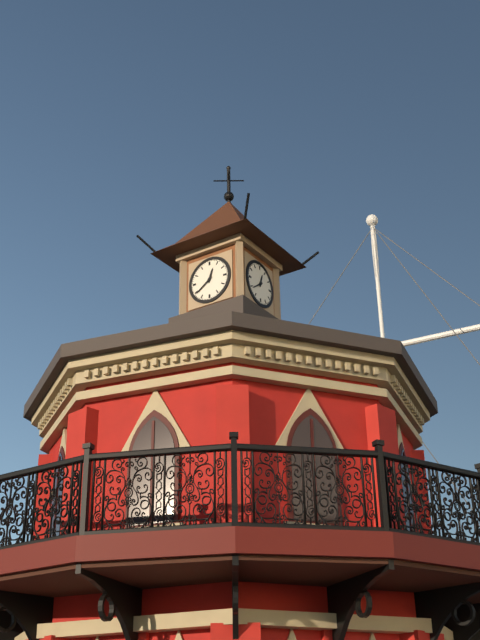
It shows 12:39
